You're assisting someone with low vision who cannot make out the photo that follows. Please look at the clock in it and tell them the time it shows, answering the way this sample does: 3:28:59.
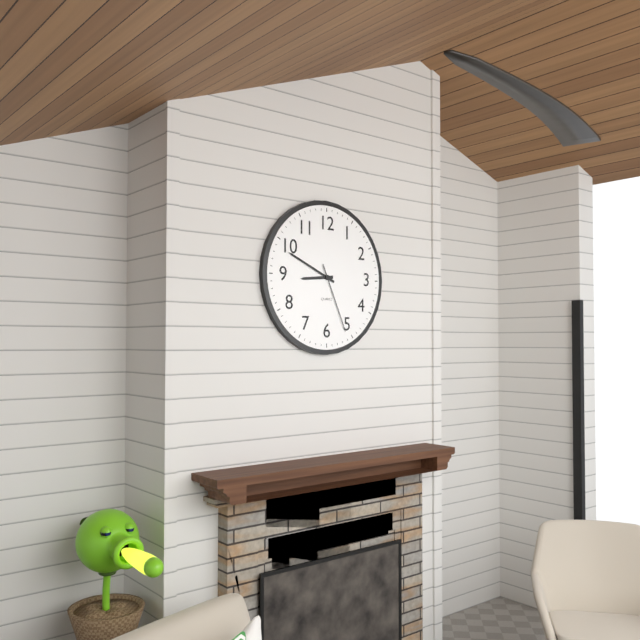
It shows 8:49:26
